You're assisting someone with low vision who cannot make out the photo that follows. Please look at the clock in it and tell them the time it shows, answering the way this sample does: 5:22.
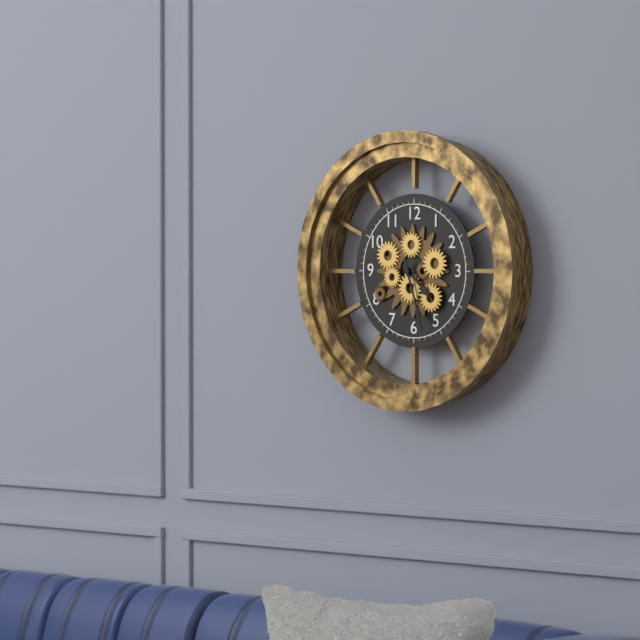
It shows 4:27
